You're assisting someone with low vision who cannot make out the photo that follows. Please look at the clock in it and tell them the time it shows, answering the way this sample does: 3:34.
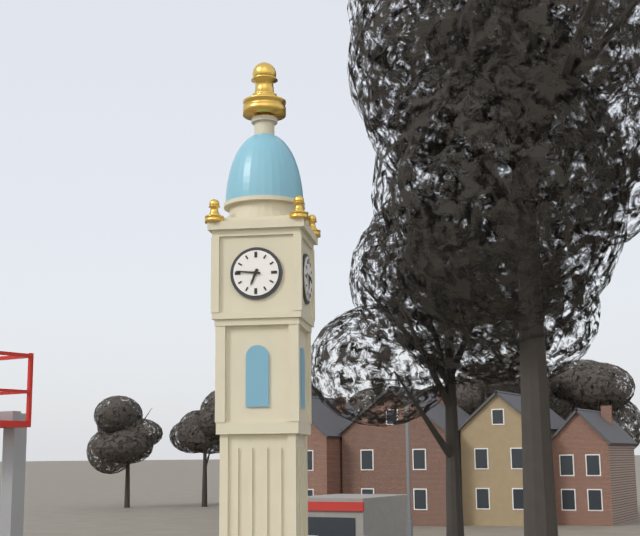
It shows 6:46
